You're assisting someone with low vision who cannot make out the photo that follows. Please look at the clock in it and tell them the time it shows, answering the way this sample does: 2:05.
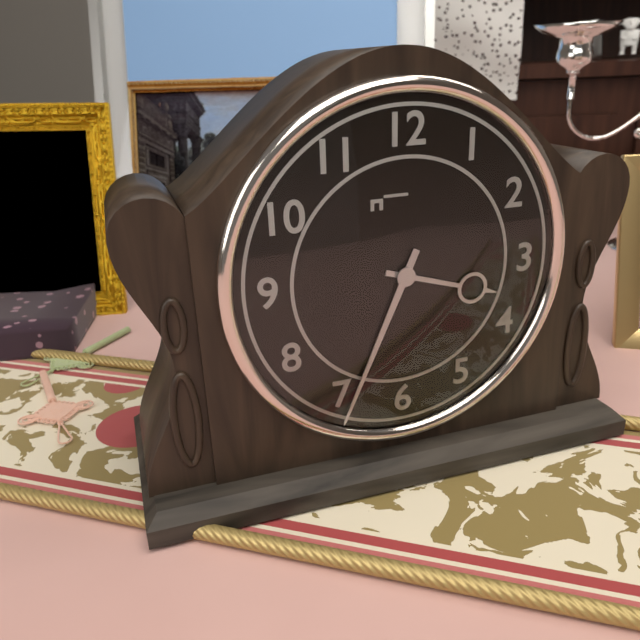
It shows 3:34
